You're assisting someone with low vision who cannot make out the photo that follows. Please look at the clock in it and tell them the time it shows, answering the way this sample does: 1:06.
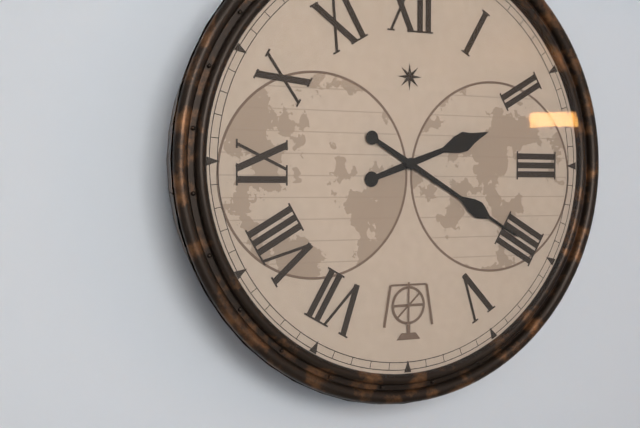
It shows 2:20
